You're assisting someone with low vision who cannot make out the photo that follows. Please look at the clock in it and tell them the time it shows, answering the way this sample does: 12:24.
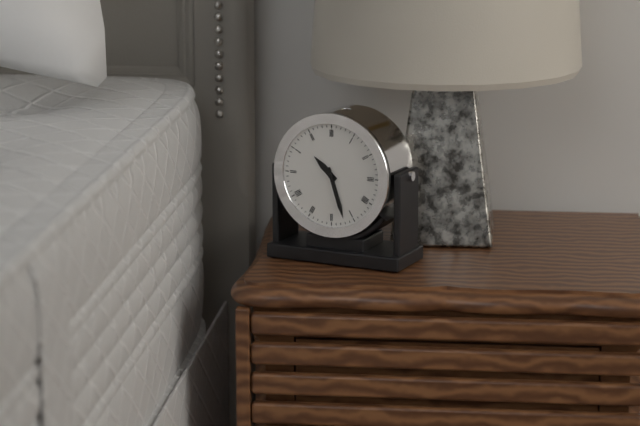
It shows 10:27
